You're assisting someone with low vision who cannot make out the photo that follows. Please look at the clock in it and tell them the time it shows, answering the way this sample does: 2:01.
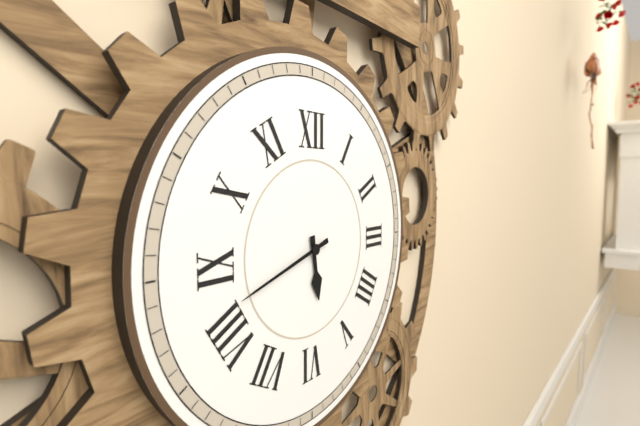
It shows 5:42
